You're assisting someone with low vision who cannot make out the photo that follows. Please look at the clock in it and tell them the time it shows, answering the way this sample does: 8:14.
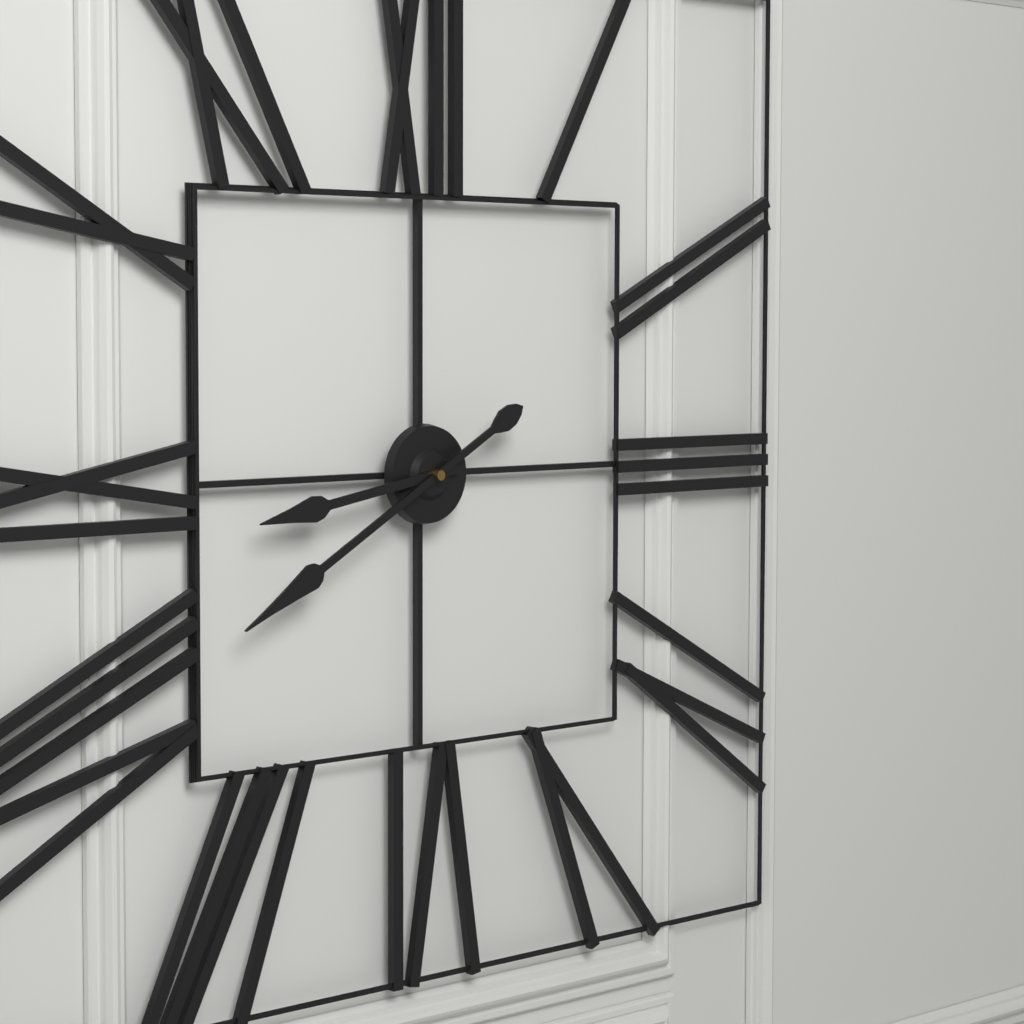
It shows 8:40
